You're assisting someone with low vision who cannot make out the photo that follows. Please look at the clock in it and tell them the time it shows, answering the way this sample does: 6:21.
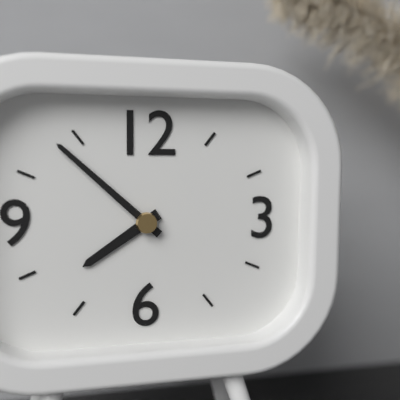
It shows 7:52
